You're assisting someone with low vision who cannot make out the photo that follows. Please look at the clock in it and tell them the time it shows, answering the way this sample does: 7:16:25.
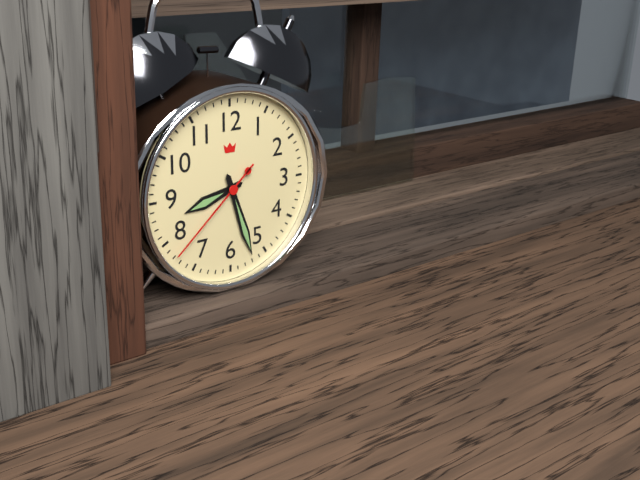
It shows 8:27:38
